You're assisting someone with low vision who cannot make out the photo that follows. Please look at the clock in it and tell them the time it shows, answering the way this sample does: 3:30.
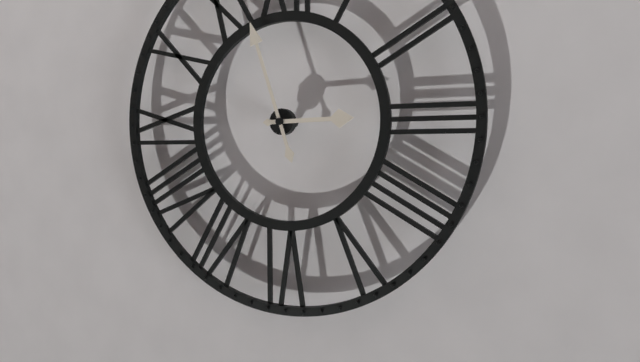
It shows 2:57
